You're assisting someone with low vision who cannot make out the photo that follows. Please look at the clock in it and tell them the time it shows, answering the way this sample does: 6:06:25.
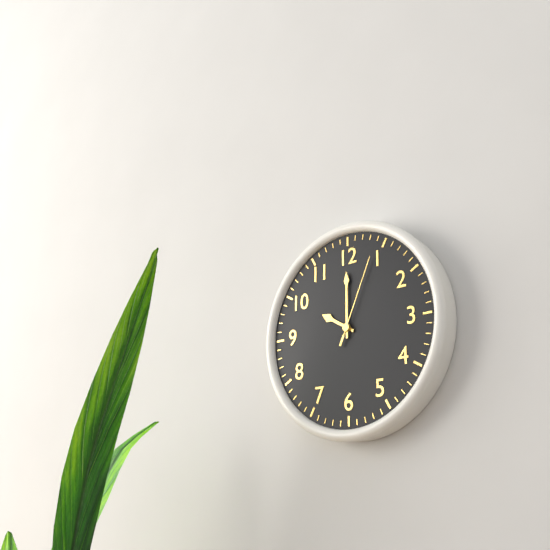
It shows 10:00:04
